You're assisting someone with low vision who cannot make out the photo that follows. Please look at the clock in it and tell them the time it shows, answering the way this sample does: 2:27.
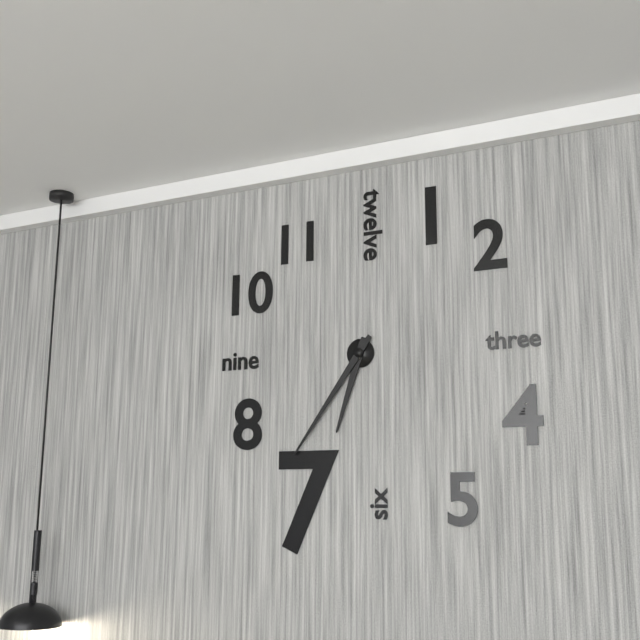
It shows 6:36
